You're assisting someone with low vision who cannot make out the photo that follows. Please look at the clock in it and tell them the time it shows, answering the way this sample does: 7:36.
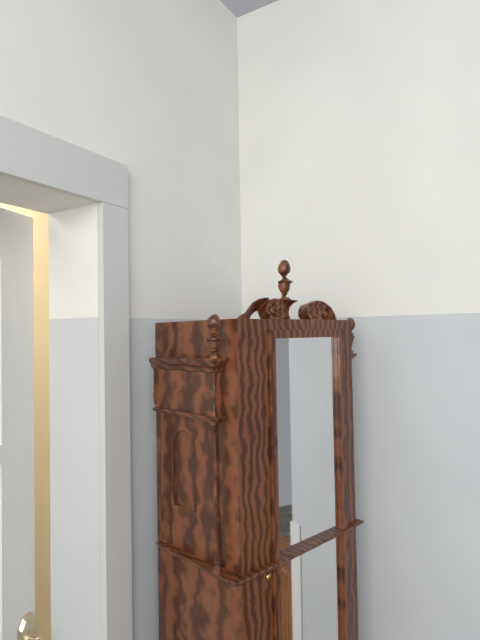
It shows 6:26
